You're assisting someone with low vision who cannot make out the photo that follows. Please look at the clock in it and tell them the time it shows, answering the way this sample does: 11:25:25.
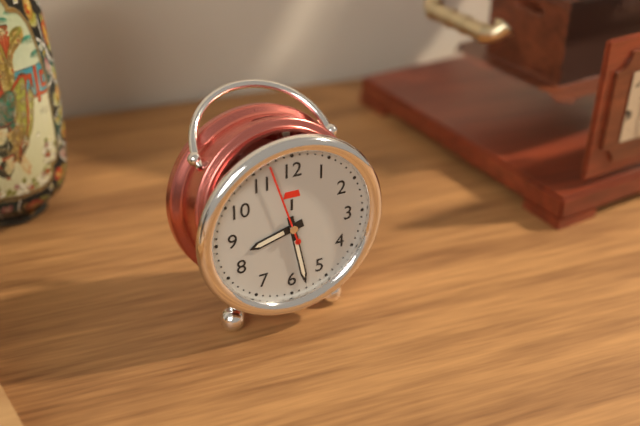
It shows 8:28:57
